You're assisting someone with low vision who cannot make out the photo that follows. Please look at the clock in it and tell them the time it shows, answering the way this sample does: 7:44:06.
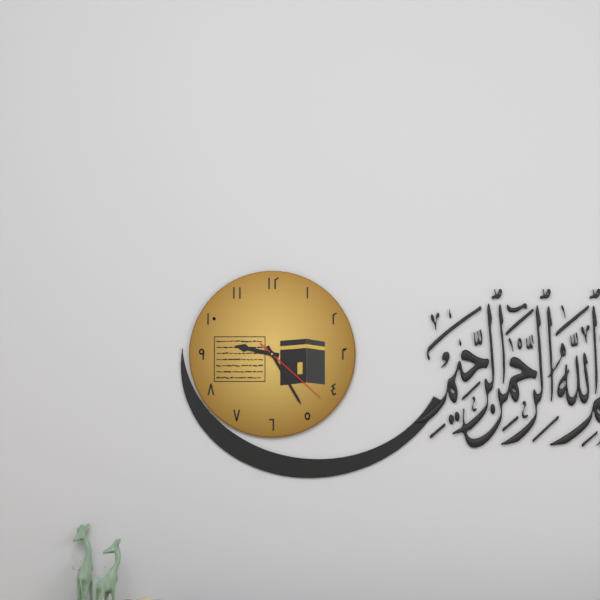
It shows 9:25:22
